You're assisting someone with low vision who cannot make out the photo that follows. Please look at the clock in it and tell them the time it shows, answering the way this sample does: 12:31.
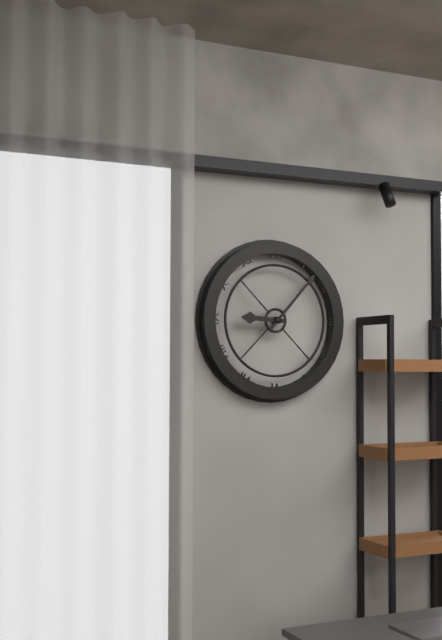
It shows 9:07
